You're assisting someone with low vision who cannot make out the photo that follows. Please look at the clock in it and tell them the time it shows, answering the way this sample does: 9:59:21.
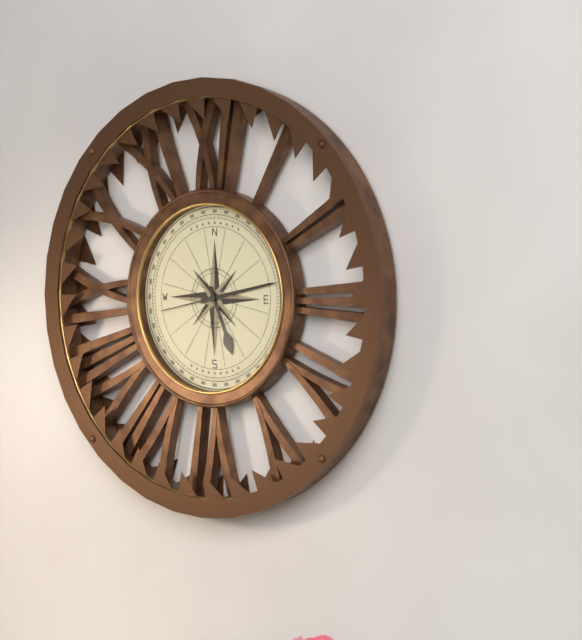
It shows 5:13:43
